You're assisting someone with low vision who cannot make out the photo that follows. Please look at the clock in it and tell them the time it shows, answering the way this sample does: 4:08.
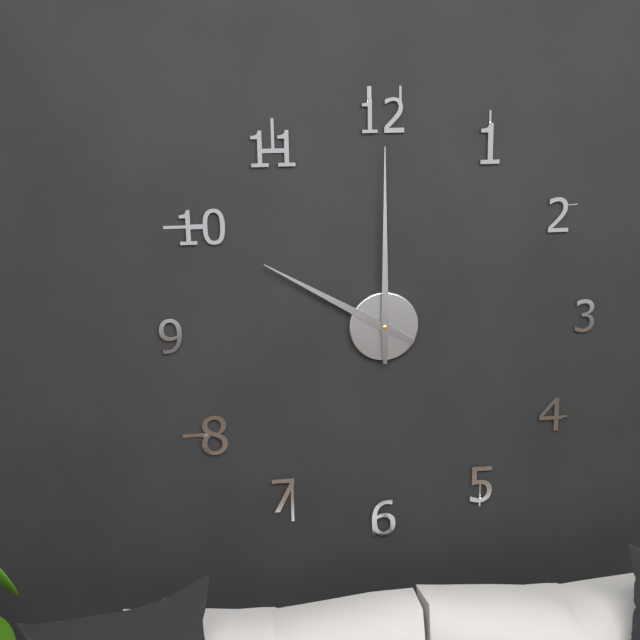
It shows 10:00
